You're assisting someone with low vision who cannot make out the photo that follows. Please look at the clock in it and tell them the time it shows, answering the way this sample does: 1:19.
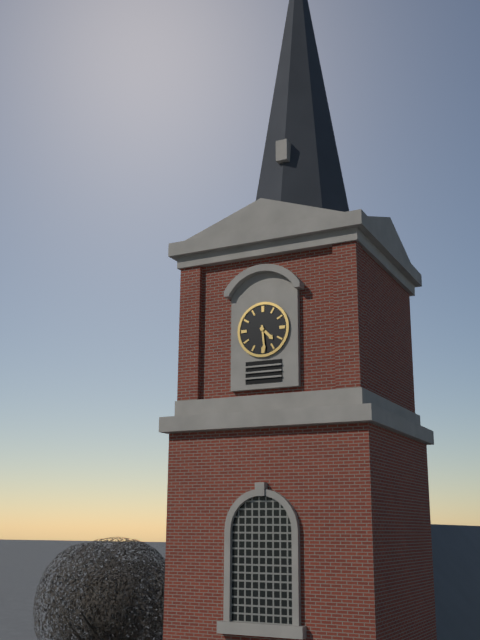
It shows 4:29
